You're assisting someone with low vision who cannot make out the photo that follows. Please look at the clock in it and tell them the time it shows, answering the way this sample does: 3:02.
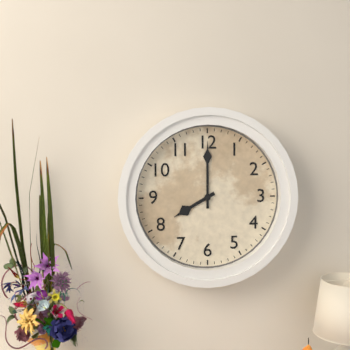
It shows 8:00
